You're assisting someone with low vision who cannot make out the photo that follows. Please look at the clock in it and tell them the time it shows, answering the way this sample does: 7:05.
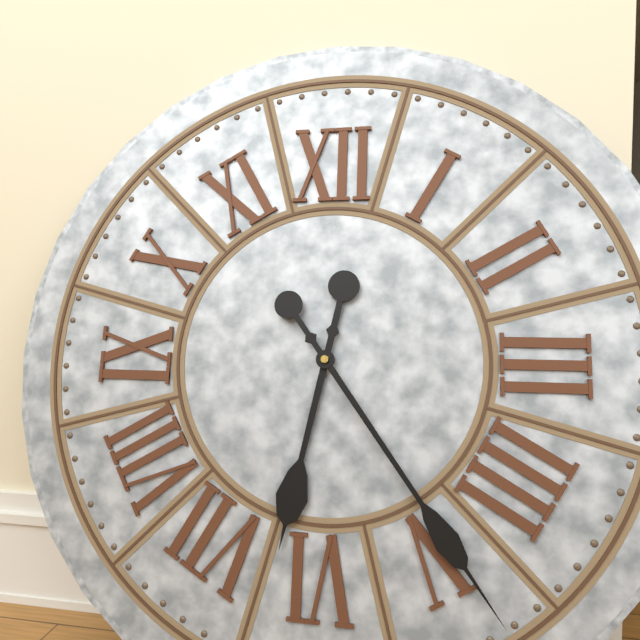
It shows 6:24
